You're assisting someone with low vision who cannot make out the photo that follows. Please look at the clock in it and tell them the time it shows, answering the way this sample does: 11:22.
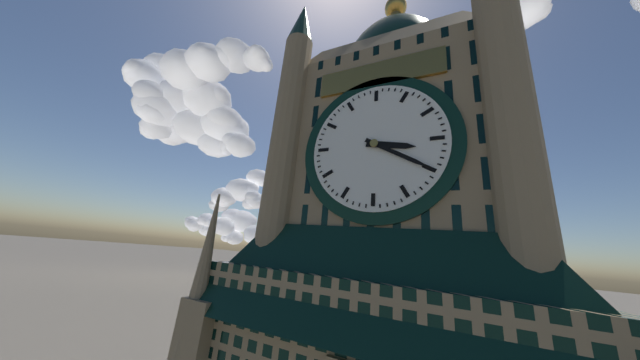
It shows 3:20
